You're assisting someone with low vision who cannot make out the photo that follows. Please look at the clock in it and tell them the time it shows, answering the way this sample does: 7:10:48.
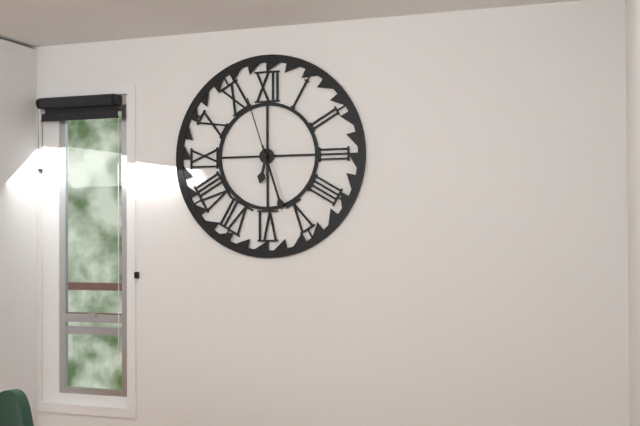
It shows 6:27:57
